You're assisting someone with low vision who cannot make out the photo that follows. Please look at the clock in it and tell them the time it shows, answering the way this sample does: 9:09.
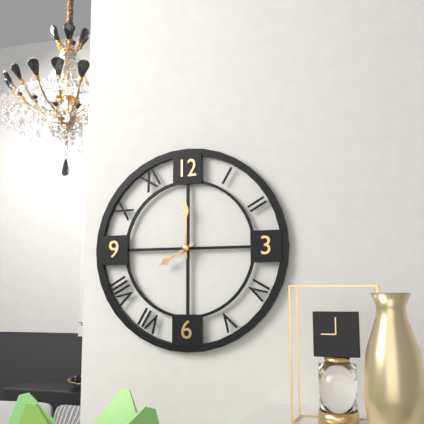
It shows 8:00
